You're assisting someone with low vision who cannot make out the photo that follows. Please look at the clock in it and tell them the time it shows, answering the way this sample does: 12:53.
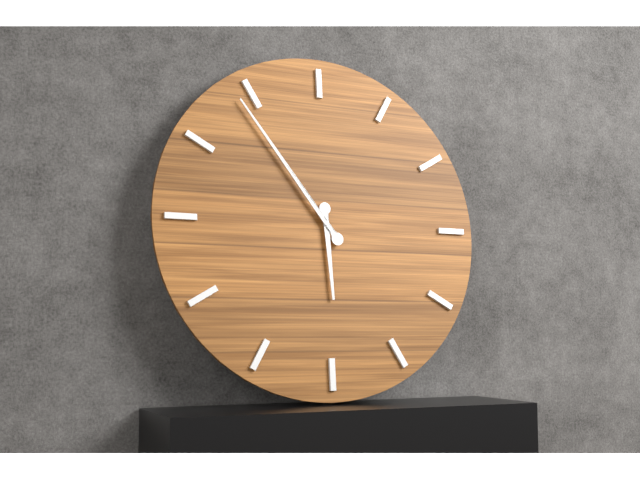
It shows 5:54
